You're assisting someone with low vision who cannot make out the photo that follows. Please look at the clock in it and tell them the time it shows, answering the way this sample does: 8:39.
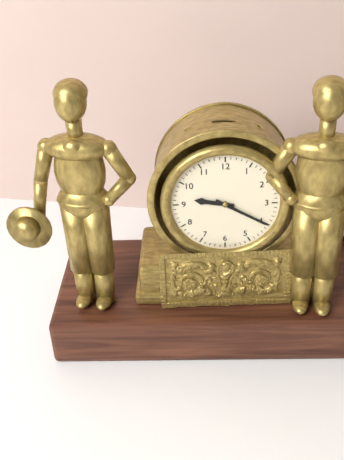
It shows 9:20
